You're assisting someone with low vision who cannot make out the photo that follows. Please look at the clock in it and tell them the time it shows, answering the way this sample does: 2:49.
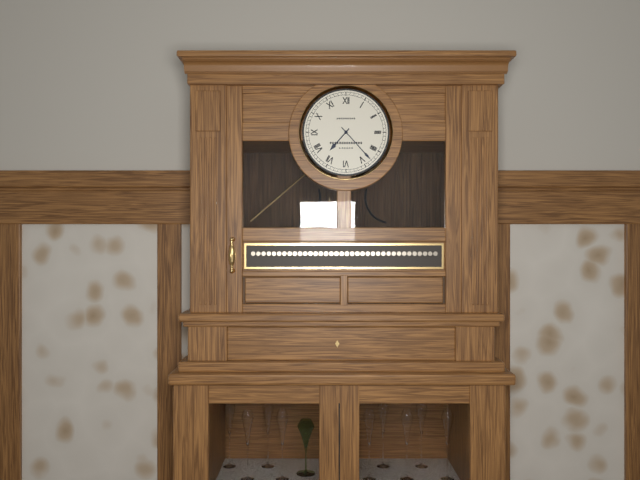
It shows 7:23
